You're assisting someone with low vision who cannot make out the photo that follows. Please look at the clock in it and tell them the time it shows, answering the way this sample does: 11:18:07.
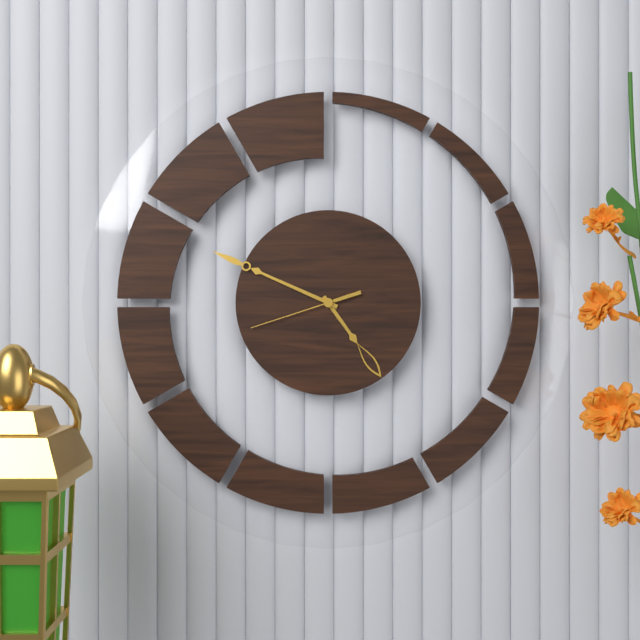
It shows 4:49:42
